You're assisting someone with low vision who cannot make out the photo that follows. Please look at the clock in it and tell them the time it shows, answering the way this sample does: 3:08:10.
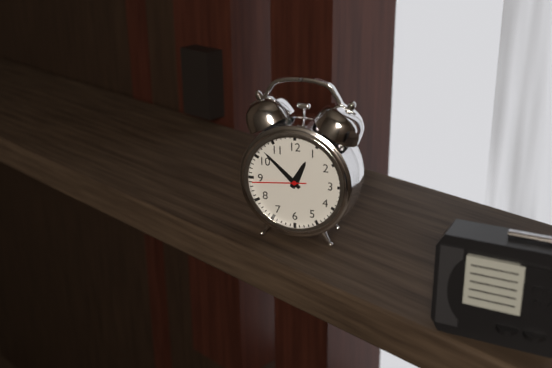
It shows 12:52:44
